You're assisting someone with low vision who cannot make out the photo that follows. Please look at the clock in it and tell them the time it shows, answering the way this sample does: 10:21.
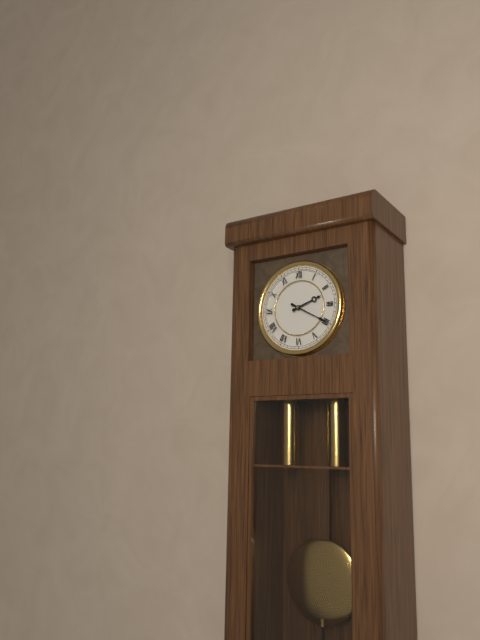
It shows 2:20
